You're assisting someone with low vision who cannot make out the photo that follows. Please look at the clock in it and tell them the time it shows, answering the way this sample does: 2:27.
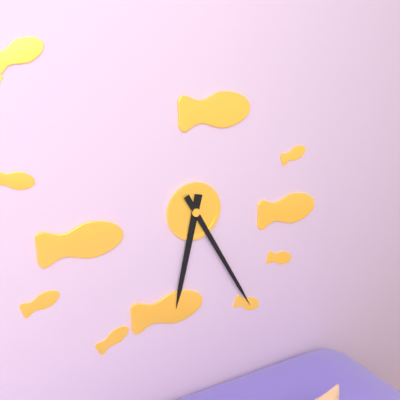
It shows 6:25
